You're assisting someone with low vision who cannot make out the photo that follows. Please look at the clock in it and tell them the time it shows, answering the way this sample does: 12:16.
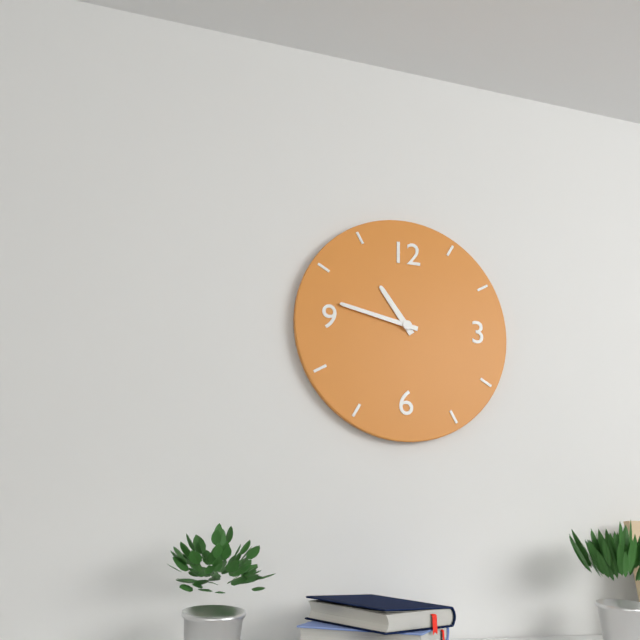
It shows 10:47
